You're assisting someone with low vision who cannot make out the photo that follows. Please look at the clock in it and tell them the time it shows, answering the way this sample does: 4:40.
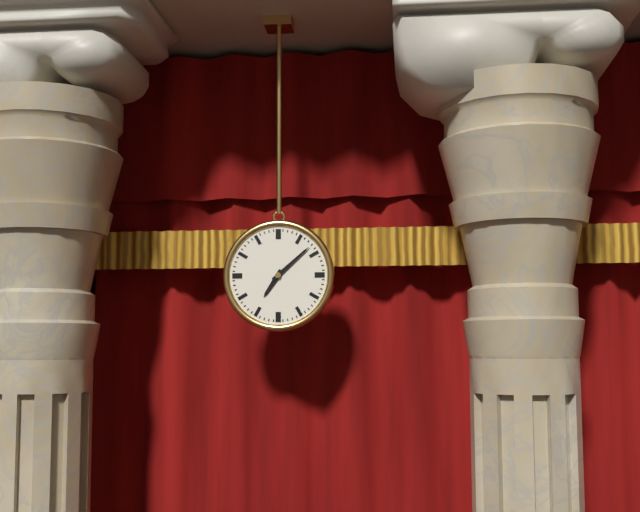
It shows 7:08
